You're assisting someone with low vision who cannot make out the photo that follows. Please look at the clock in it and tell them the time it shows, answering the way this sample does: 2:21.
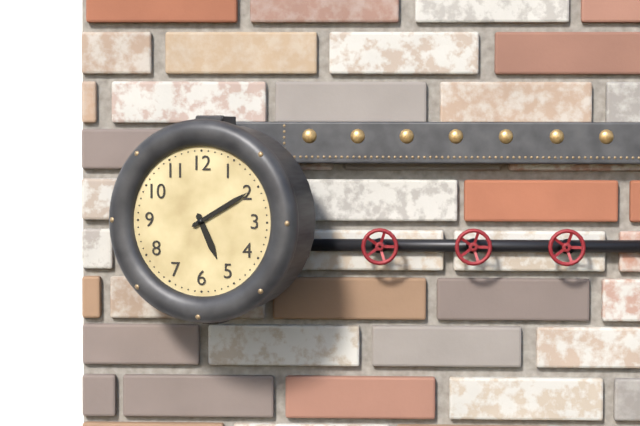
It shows 5:10
